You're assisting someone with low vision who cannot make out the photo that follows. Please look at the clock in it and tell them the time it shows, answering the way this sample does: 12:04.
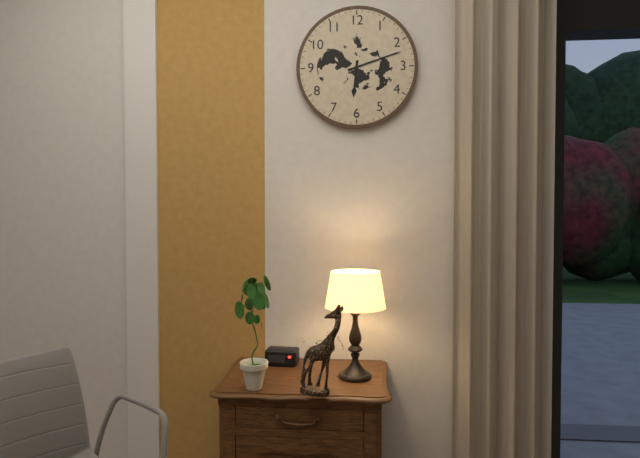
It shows 6:12
